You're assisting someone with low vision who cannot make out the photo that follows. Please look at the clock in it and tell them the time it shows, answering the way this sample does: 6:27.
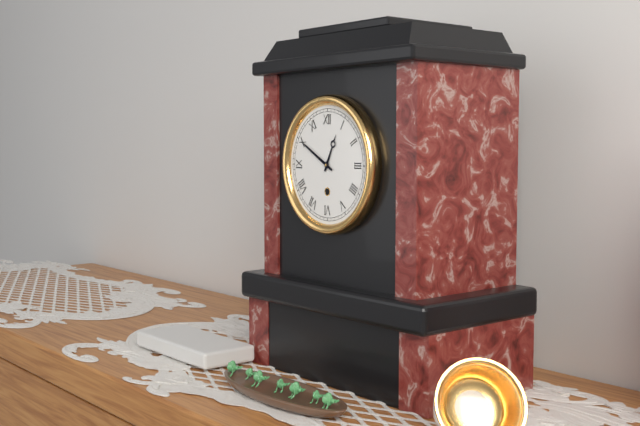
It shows 12:50
